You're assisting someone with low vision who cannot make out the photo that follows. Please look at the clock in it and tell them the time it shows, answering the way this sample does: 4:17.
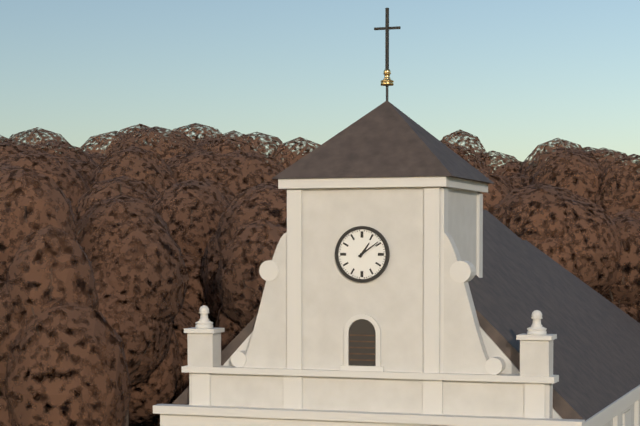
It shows 1:09
